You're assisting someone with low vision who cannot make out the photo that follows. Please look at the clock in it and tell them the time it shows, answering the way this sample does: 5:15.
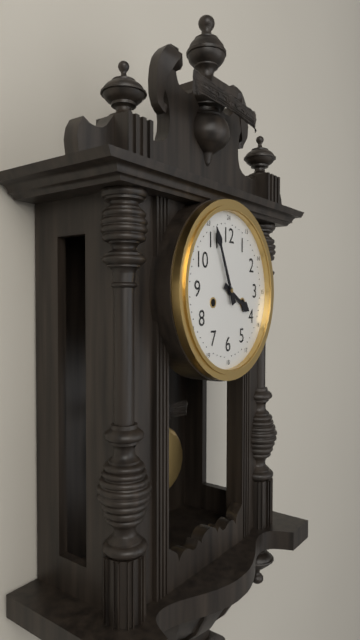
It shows 3:56
